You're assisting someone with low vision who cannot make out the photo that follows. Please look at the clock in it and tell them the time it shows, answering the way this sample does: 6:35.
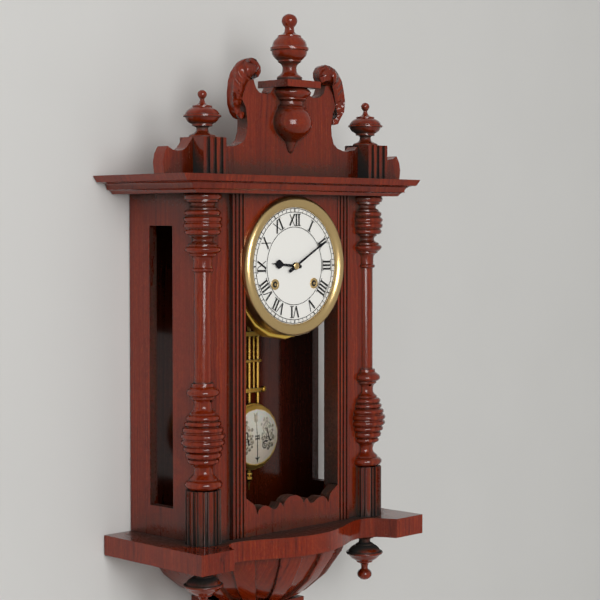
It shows 9:10
